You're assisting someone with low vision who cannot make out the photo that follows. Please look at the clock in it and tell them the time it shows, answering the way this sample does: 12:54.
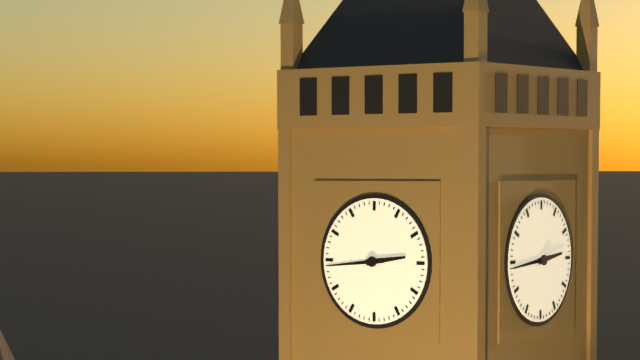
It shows 2:44
